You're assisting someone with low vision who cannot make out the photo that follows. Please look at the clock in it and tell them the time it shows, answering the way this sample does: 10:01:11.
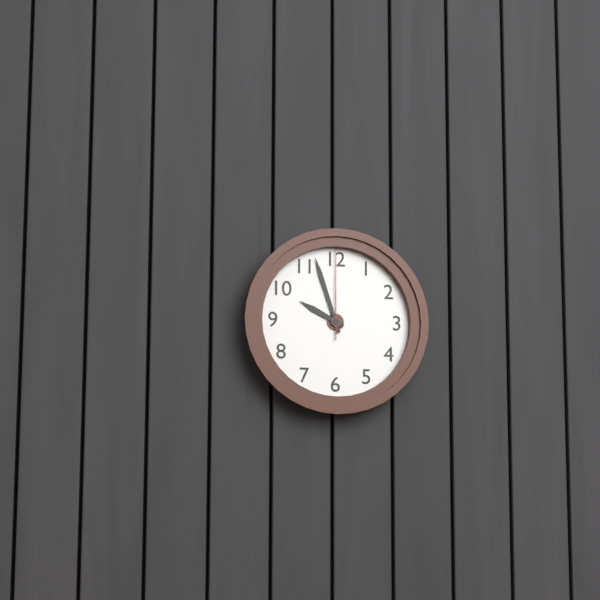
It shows 9:57:00
